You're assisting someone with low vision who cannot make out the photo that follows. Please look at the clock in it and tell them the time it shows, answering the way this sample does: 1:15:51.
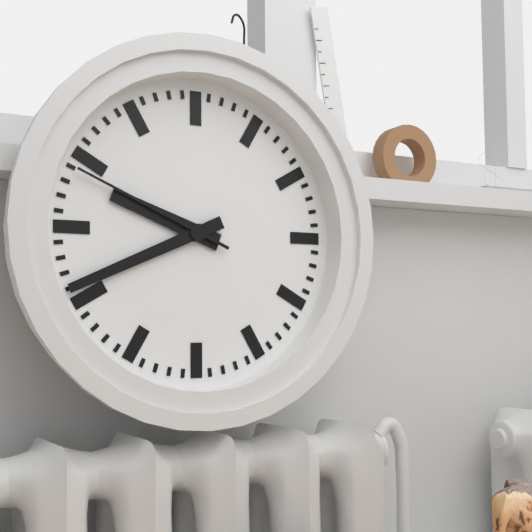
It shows 9:41:49
